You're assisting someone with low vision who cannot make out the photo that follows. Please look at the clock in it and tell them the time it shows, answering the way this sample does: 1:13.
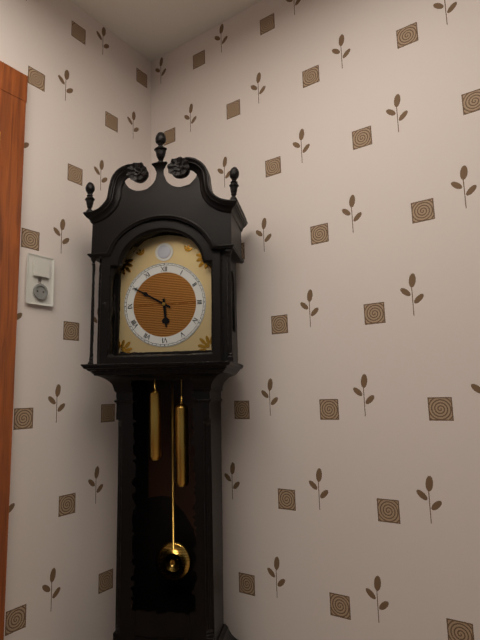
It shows 5:50
